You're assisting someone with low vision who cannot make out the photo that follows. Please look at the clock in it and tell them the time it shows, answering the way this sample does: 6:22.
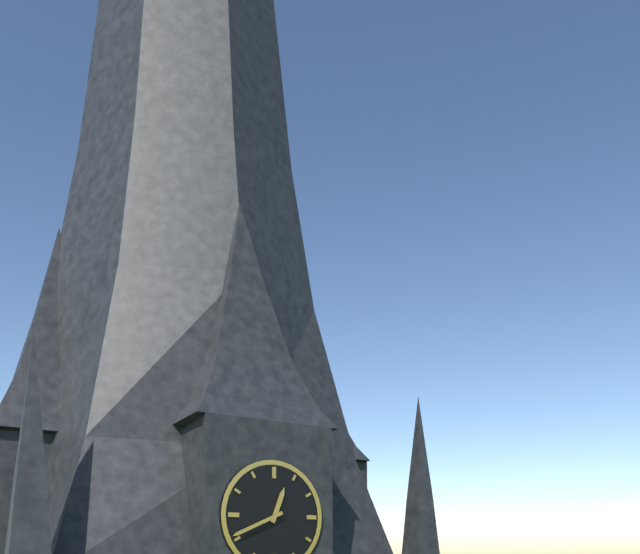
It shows 12:41
